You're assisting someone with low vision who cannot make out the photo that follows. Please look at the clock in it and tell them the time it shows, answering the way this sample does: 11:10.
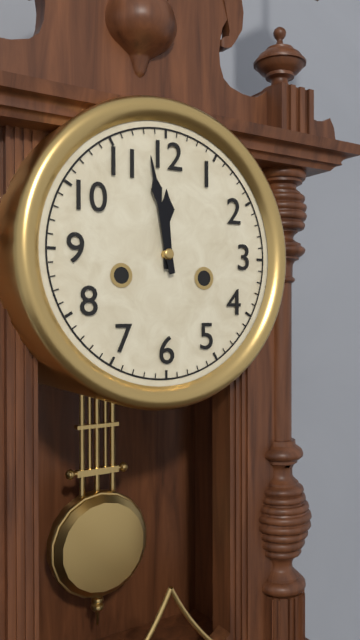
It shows 11:58
